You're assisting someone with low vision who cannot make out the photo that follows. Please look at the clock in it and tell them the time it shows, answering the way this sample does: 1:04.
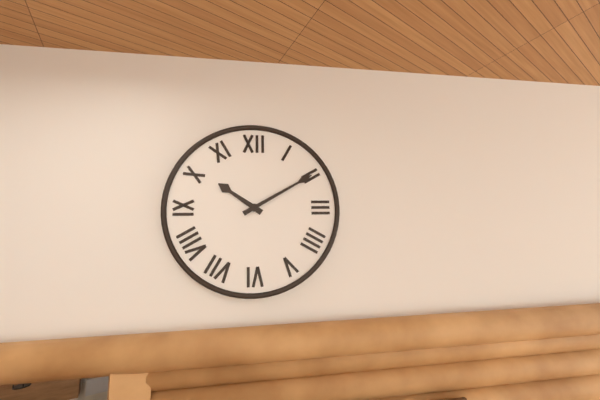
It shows 10:10
